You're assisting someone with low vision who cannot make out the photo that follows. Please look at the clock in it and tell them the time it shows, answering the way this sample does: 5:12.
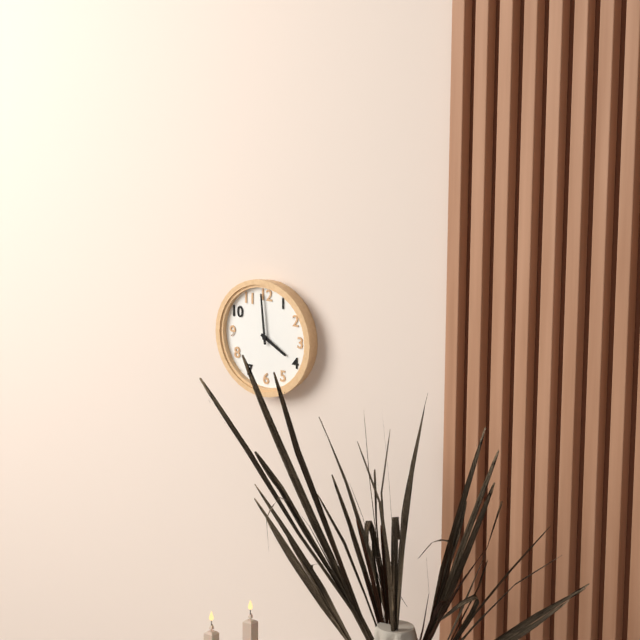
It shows 3:59
